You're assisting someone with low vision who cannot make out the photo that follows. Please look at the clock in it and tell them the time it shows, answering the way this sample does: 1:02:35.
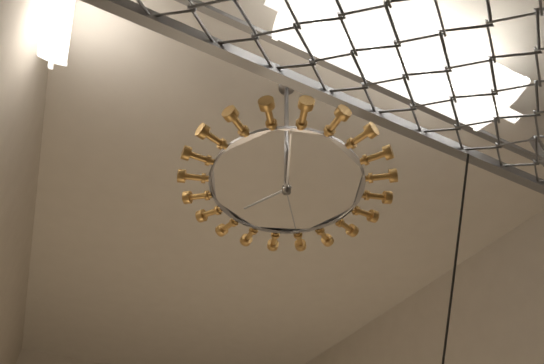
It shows 6:56:24
